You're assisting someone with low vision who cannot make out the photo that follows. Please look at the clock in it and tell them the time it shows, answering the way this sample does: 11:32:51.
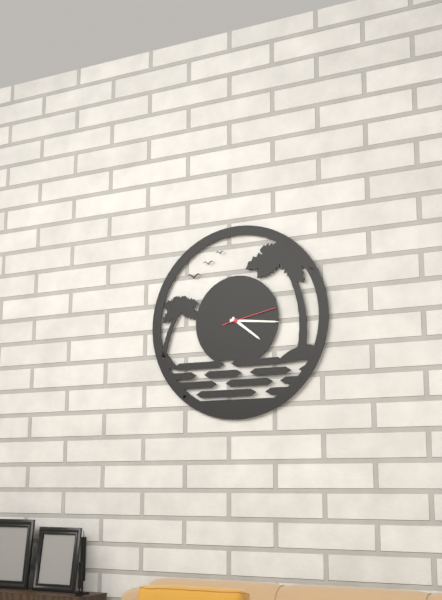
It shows 4:16:13
